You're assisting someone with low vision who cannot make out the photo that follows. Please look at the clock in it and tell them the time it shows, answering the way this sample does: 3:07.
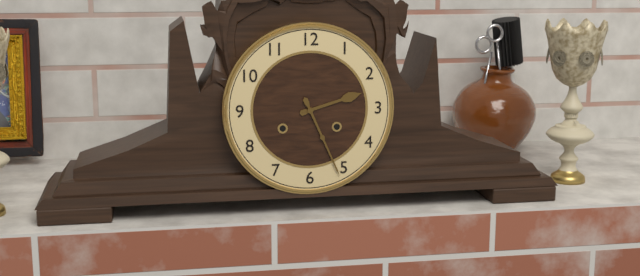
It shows 2:26
